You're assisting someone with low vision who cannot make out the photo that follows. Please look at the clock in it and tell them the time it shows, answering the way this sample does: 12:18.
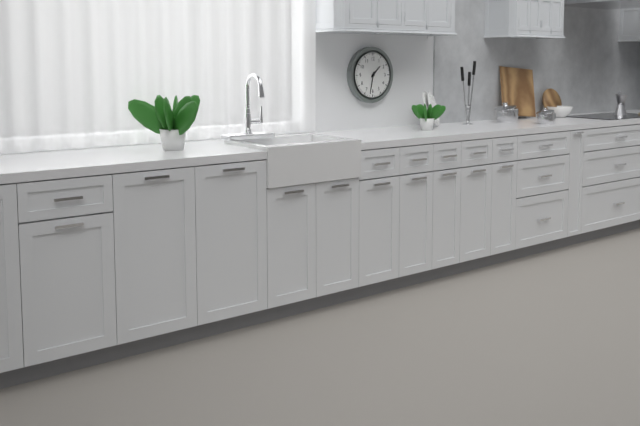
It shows 1:32
